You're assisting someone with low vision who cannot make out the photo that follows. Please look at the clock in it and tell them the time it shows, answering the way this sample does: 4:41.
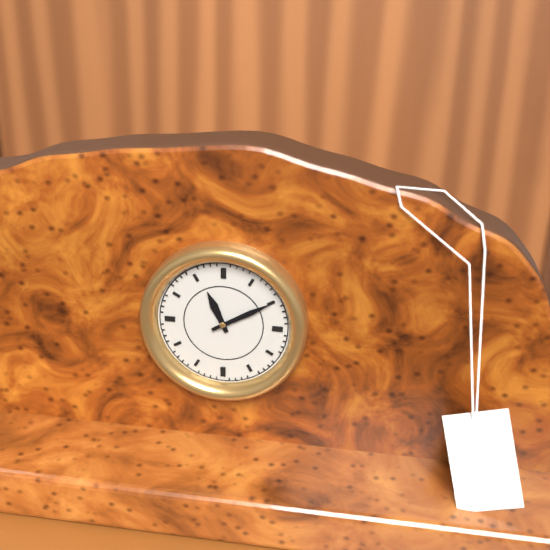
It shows 11:10
